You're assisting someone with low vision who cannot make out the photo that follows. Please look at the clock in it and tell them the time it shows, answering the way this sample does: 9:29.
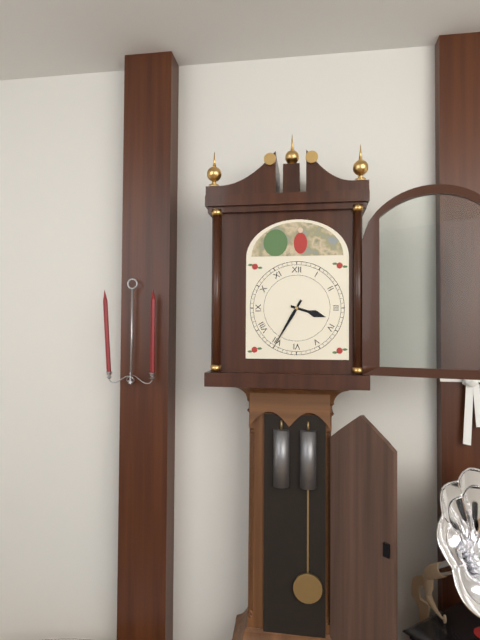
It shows 3:35
